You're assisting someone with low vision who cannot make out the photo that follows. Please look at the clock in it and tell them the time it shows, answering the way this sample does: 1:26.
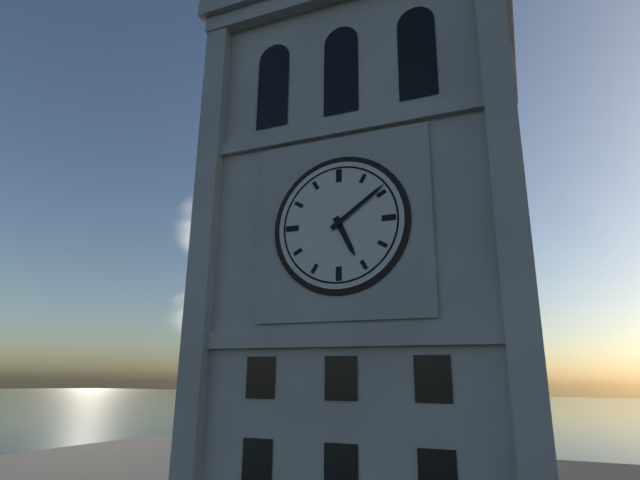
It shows 5:09
